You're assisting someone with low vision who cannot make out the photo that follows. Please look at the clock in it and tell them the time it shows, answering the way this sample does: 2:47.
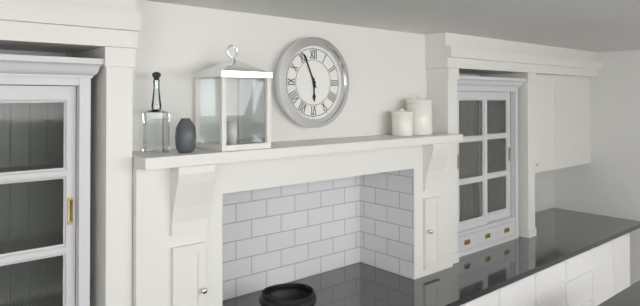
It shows 5:56
